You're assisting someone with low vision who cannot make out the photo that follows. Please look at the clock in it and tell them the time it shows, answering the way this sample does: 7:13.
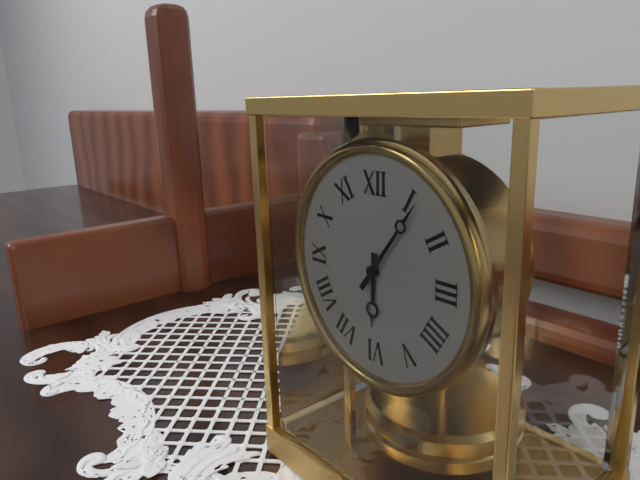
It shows 6:06
